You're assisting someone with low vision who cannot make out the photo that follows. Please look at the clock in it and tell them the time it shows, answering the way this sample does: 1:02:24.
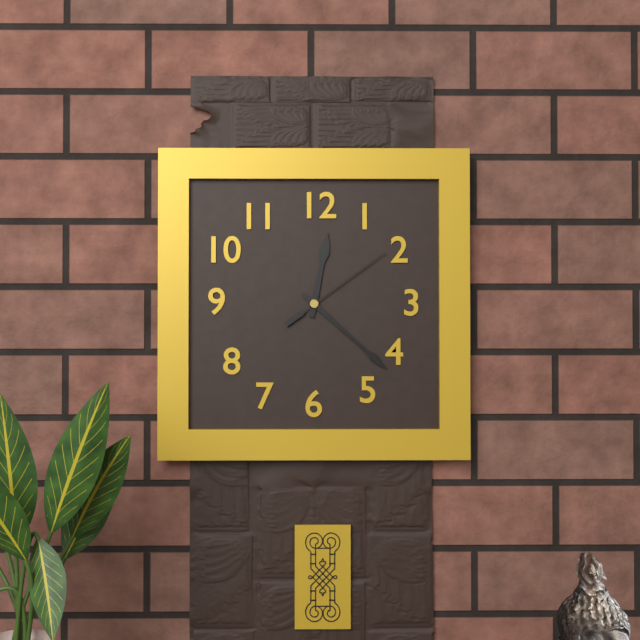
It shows 12:22:09
